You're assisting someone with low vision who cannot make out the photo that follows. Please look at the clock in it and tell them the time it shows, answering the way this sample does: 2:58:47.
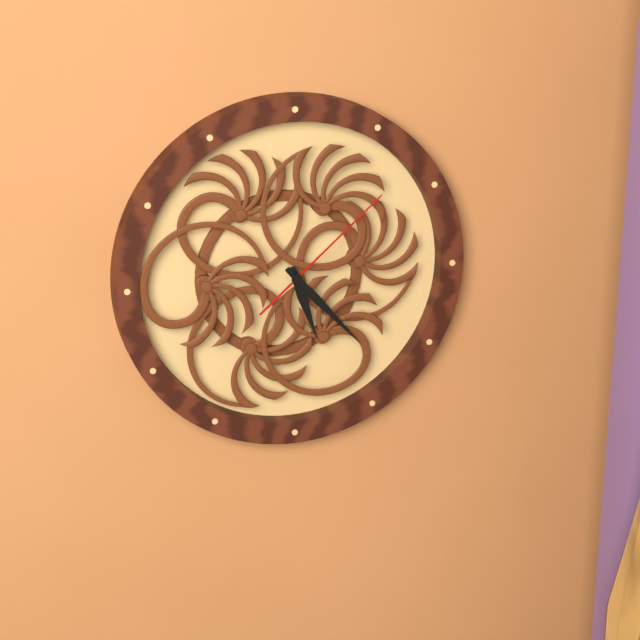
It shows 5:23:08
